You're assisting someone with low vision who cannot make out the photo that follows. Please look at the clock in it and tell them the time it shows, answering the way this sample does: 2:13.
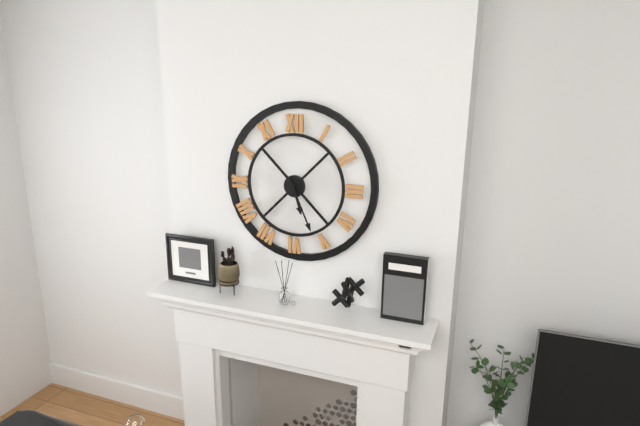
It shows 5:26
